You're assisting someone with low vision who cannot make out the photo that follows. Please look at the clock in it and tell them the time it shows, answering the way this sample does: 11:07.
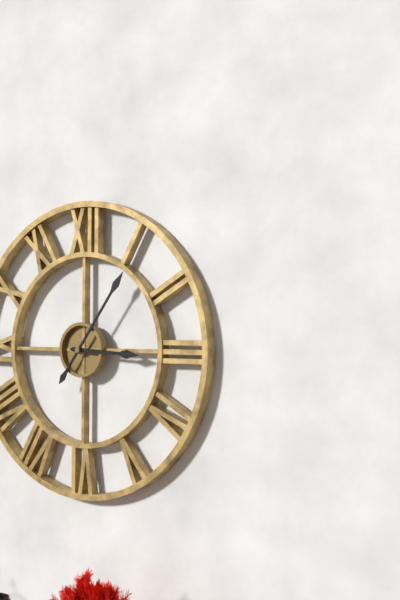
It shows 3:06
